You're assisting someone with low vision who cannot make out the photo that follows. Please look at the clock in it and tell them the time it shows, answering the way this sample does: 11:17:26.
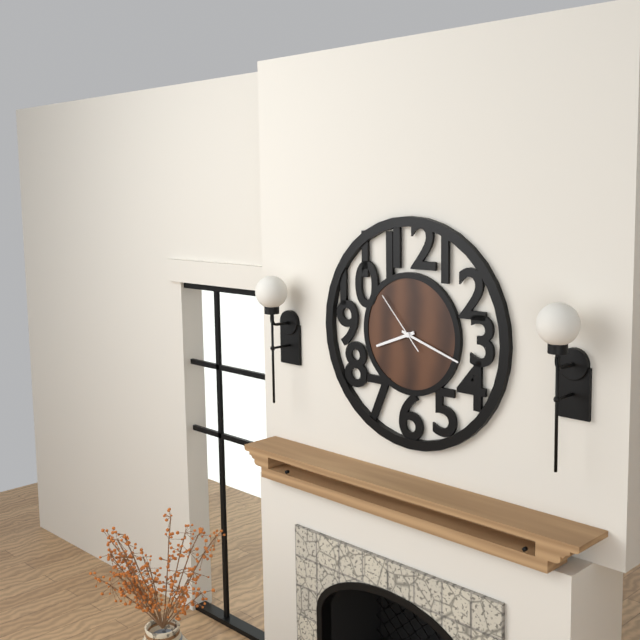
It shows 8:18:53
